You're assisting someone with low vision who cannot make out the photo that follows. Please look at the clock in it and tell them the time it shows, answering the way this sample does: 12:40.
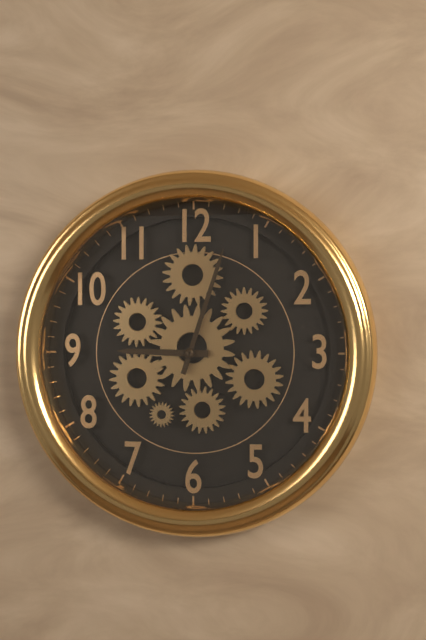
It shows 9:03
